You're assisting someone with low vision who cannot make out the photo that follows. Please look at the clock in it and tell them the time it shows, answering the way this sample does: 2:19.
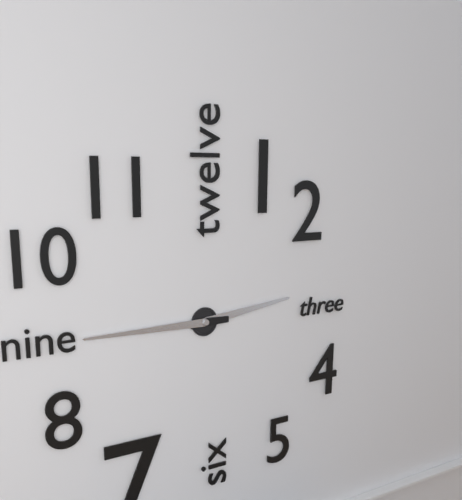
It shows 2:45
